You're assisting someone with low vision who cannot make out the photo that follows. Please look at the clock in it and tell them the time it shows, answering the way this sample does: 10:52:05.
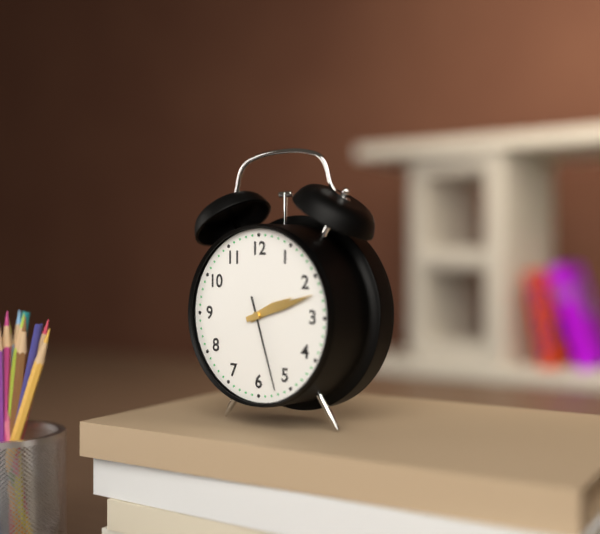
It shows 2:12:27
